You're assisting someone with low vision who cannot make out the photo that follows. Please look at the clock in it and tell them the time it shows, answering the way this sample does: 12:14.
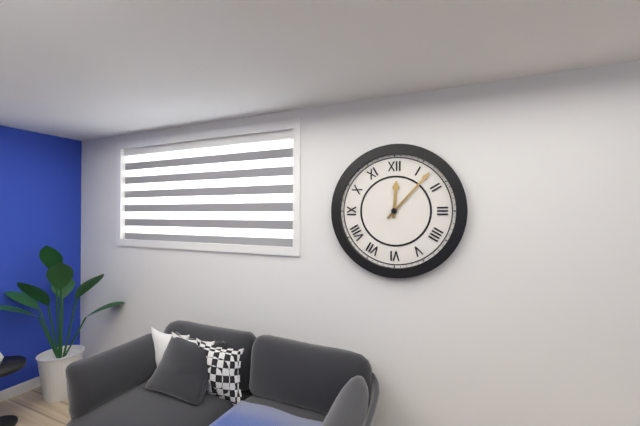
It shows 12:07
